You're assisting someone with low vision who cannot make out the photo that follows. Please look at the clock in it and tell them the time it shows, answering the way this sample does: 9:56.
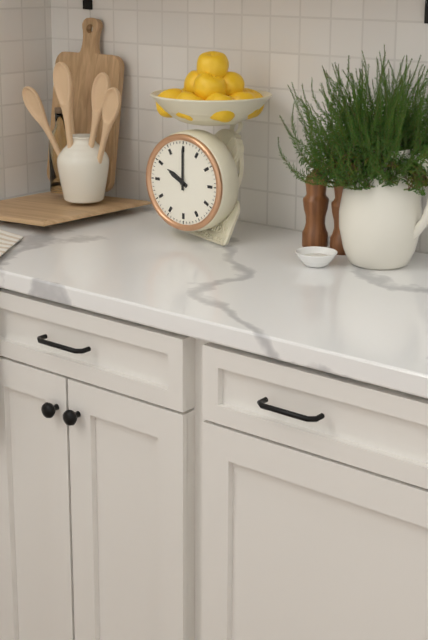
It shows 10:00
